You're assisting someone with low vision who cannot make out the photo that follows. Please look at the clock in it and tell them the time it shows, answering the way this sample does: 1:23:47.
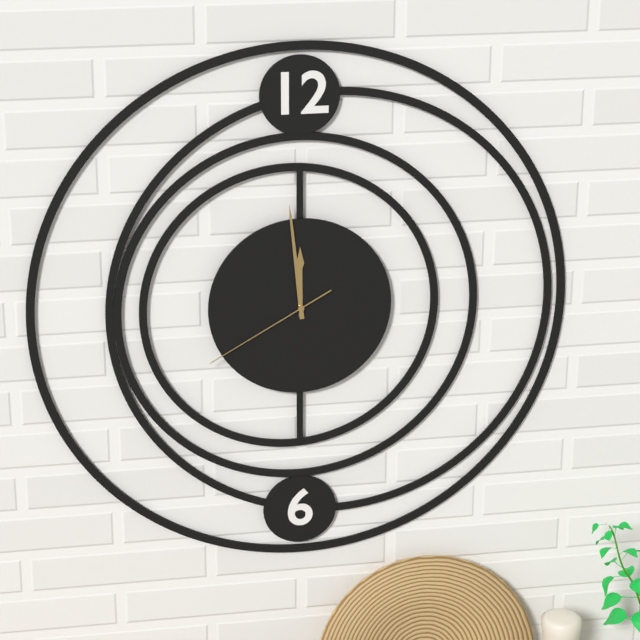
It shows 11:59:40
